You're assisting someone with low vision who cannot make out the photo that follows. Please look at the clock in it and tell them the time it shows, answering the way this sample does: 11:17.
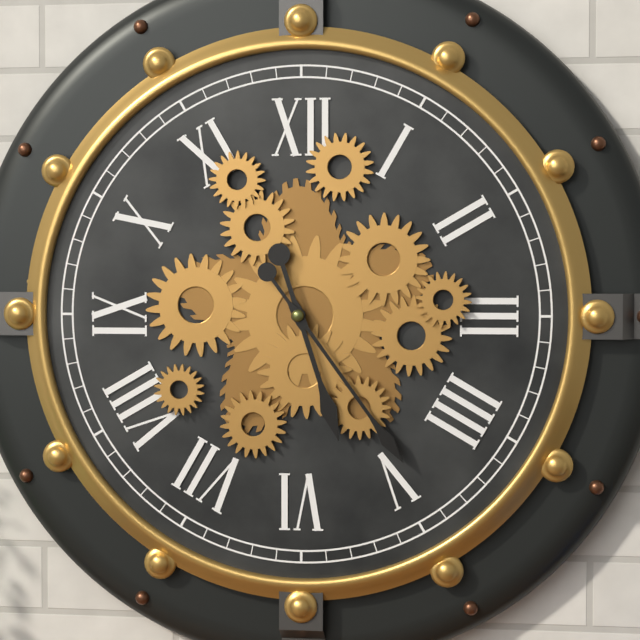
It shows 5:24
